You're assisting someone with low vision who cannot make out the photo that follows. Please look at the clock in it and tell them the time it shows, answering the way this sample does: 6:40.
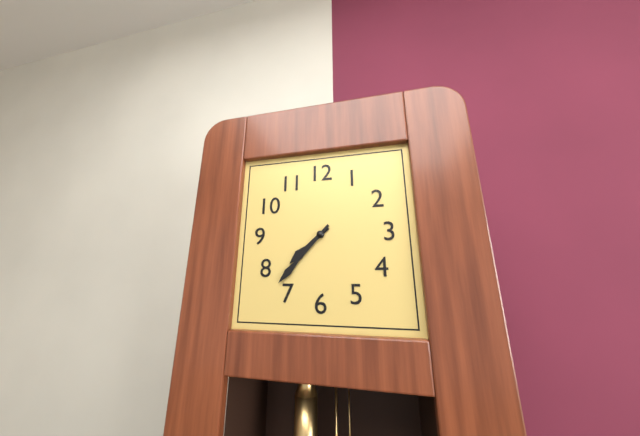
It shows 7:37
